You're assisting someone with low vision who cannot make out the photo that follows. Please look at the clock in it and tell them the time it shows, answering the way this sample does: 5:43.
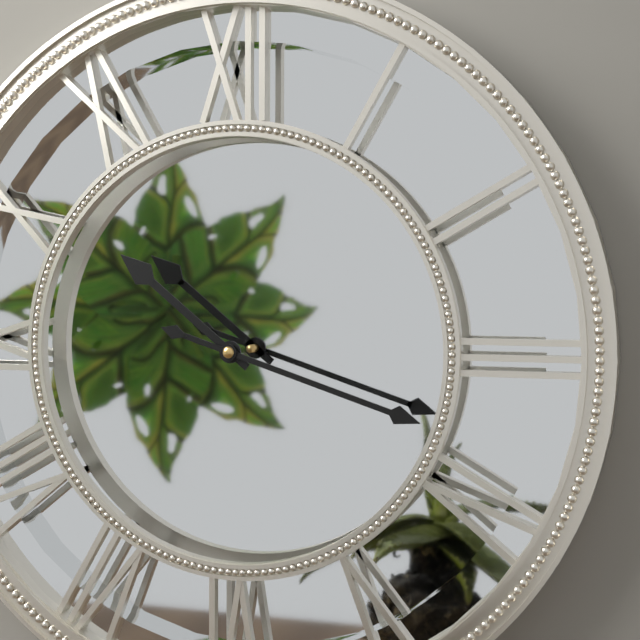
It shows 10:18
